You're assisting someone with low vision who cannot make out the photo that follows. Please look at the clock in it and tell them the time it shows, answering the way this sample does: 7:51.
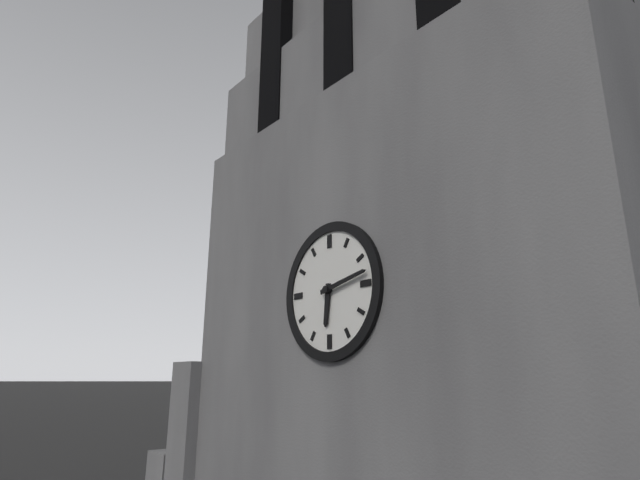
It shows 6:13
